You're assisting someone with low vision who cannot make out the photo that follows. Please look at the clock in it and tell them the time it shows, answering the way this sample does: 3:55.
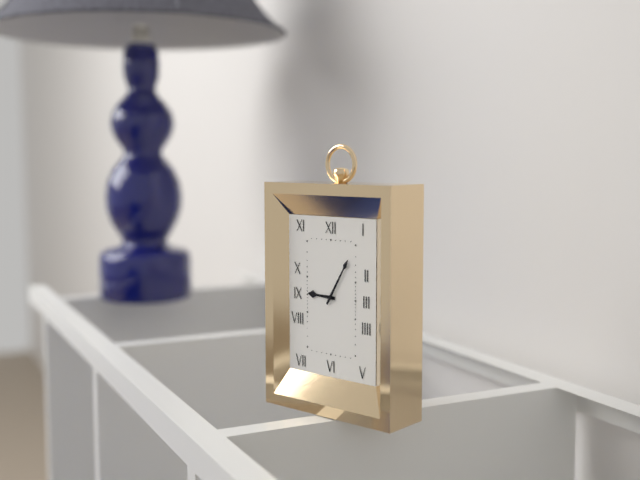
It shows 9:05
